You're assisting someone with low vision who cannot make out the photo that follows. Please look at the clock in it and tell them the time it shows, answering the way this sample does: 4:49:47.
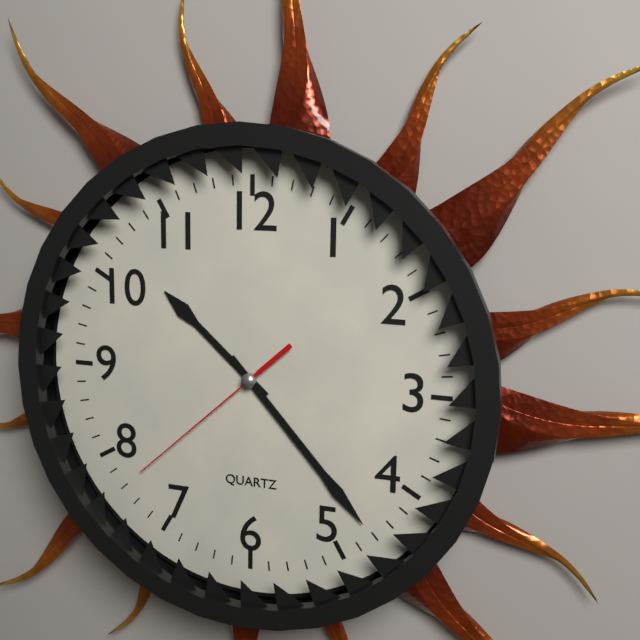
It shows 10:23:38
